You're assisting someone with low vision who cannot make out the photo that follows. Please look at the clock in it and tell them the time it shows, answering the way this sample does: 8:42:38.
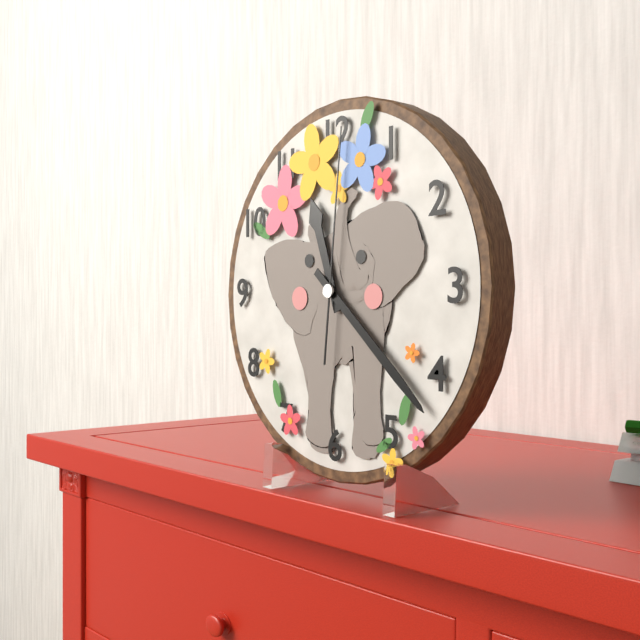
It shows 11:22:01
